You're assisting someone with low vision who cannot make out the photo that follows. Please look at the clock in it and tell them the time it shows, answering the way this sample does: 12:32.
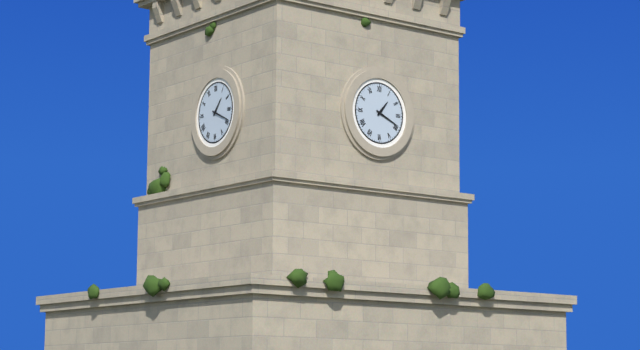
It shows 1:19
